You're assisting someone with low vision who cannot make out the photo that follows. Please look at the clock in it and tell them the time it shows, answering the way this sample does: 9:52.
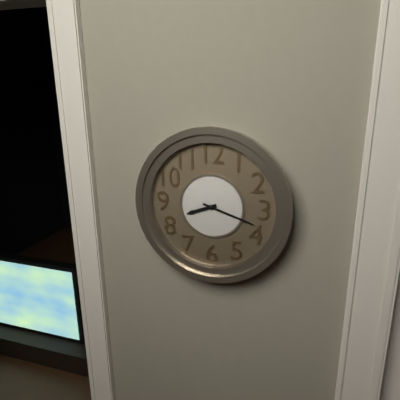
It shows 8:18
